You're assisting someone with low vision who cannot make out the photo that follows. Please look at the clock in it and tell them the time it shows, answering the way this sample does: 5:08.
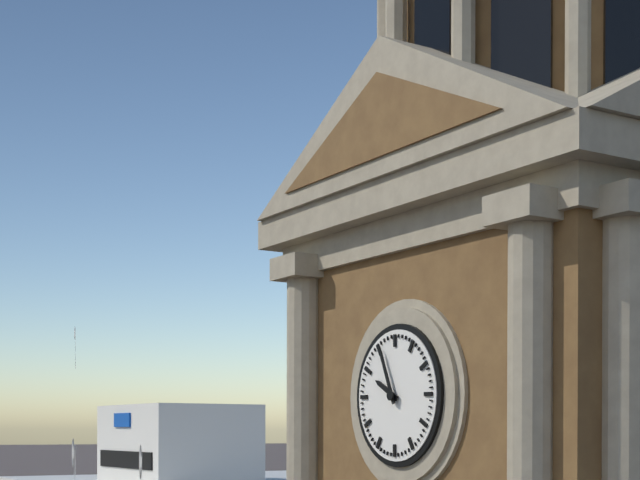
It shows 9:56
